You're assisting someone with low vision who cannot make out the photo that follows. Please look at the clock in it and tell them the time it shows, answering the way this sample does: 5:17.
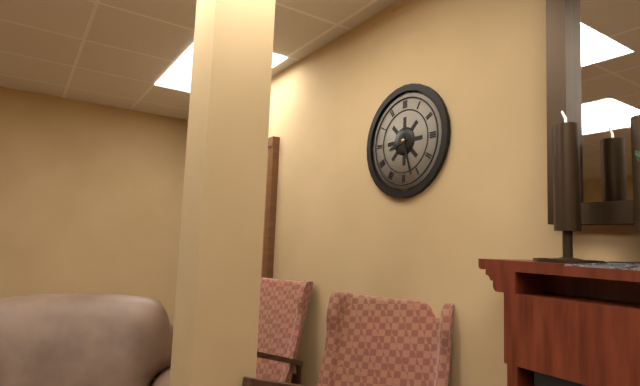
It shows 8:27
